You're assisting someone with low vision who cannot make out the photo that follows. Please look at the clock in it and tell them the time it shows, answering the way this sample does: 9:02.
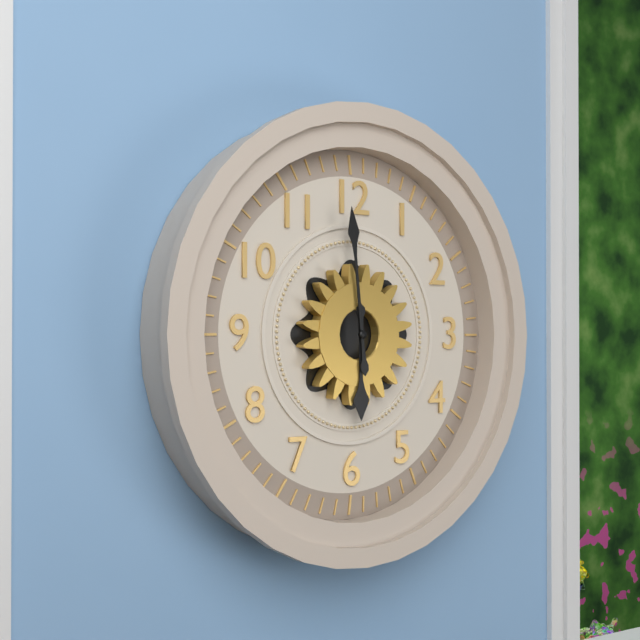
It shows 5:59
